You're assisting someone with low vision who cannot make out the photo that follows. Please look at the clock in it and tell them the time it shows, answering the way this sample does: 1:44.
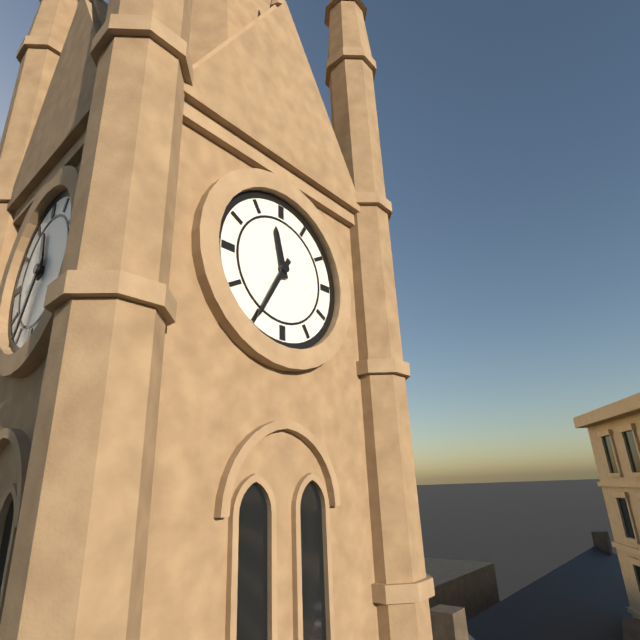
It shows 11:35
